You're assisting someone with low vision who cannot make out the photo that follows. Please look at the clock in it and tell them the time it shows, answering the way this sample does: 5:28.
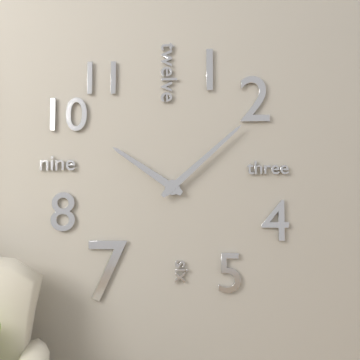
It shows 10:08
